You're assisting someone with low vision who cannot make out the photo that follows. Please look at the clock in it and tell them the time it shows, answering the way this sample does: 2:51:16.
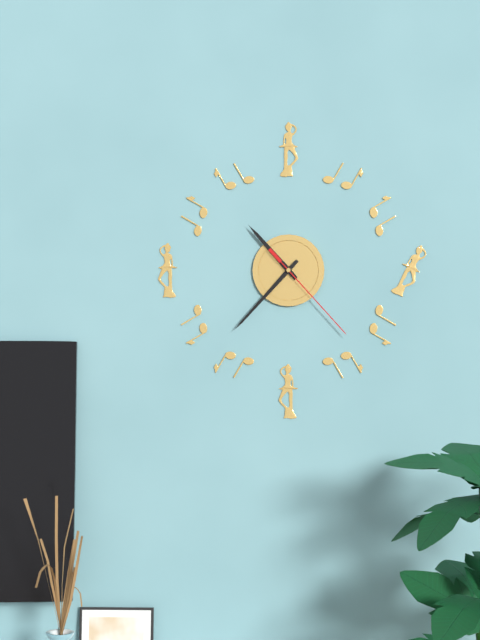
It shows 10:37:23
